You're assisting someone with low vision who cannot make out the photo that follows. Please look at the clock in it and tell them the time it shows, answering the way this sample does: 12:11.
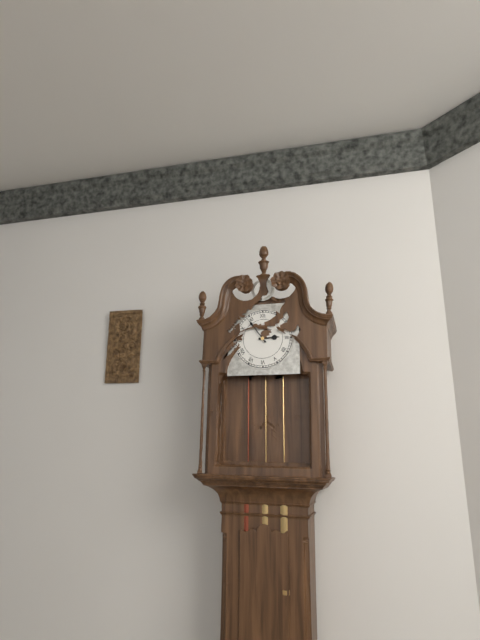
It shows 2:54
